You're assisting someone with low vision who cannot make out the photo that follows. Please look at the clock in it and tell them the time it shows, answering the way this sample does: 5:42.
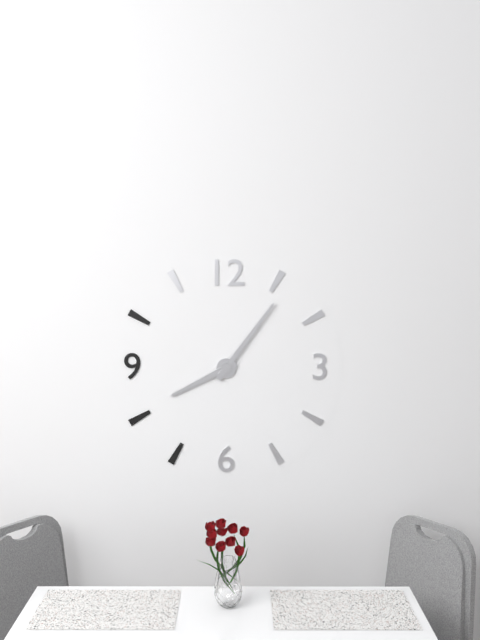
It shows 8:06
